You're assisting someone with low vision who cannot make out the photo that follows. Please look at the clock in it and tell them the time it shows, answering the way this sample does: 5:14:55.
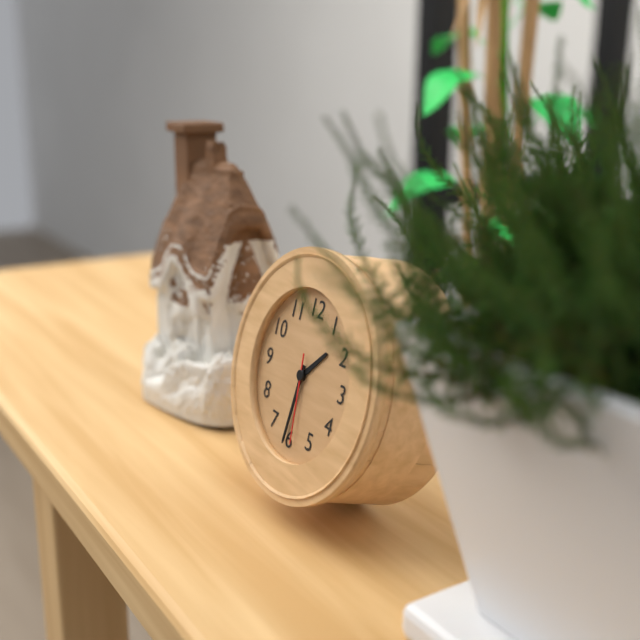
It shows 1:31:29
